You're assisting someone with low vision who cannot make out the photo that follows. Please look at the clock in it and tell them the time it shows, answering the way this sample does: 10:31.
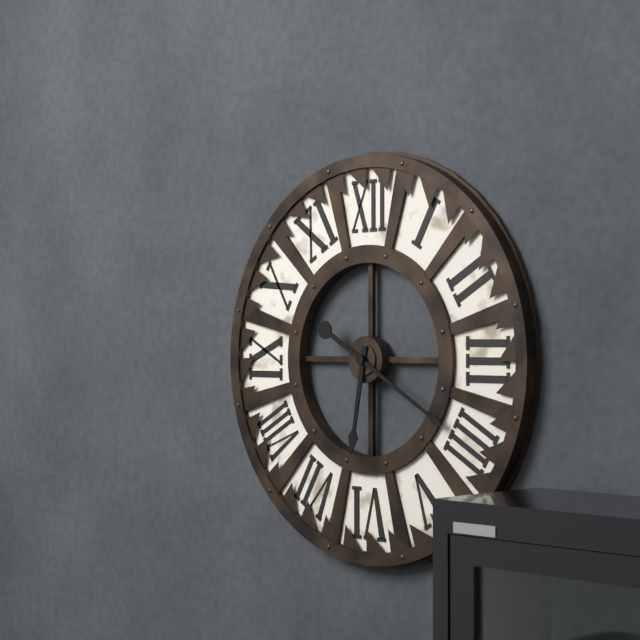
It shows 6:20
